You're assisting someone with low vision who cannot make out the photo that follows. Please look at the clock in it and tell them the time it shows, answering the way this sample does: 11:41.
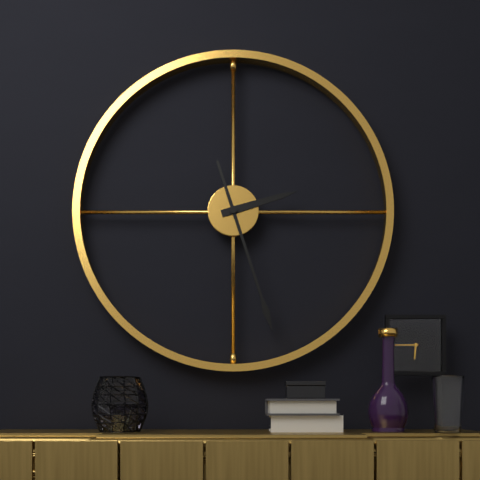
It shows 2:27
